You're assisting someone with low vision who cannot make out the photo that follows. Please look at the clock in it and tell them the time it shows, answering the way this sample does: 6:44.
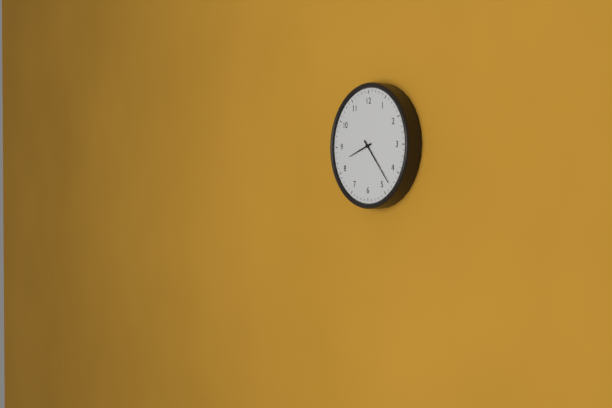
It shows 8:23
